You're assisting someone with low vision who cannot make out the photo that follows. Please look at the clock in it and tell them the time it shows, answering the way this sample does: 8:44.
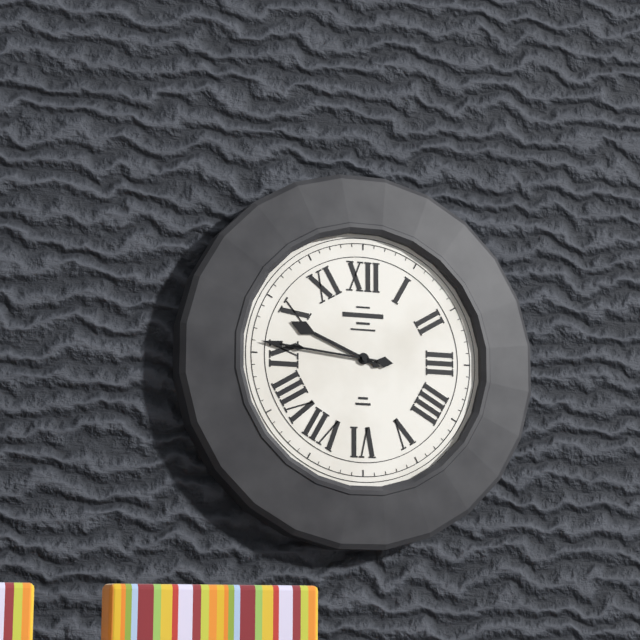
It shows 9:46
